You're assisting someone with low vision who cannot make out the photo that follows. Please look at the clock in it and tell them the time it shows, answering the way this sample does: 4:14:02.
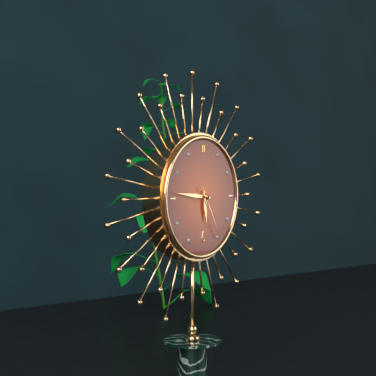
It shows 5:46:25
